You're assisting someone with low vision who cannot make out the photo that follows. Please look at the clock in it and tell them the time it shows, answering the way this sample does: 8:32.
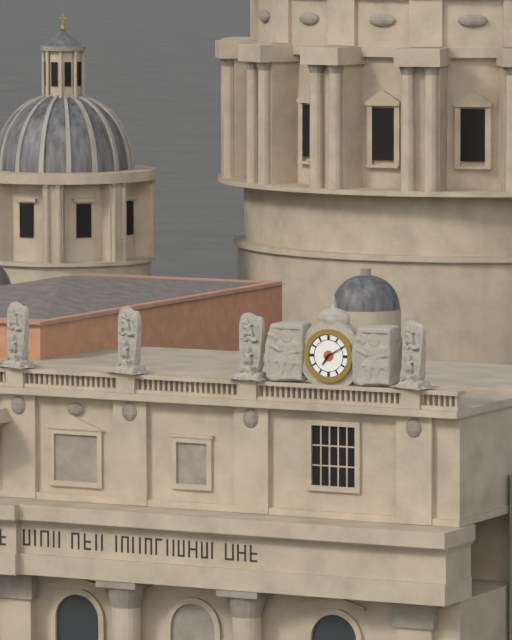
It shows 7:10
